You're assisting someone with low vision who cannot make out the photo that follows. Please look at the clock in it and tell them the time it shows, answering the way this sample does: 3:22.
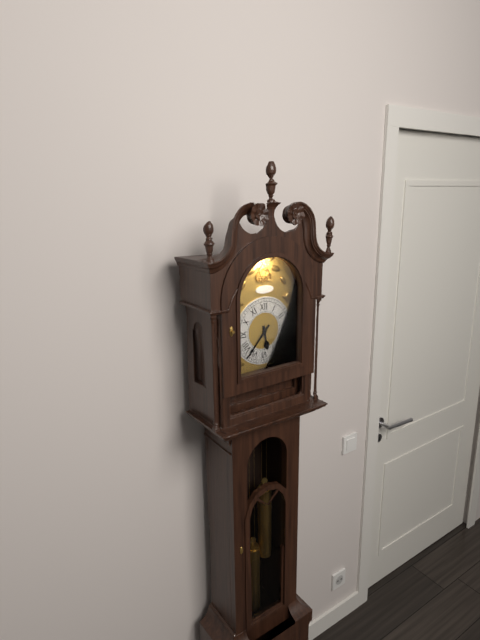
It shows 5:37
